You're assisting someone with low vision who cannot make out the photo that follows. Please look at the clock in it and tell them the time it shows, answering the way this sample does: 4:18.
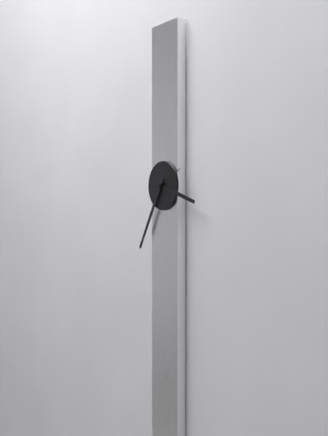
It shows 3:35
